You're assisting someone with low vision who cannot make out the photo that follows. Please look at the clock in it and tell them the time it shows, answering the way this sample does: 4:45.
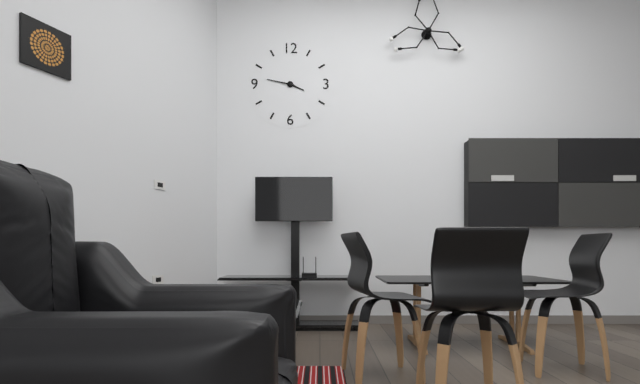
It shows 3:47
